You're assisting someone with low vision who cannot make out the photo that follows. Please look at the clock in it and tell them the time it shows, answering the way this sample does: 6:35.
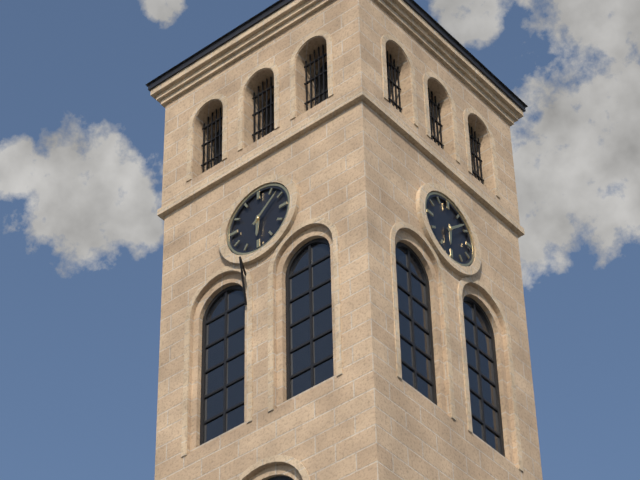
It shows 6:08
